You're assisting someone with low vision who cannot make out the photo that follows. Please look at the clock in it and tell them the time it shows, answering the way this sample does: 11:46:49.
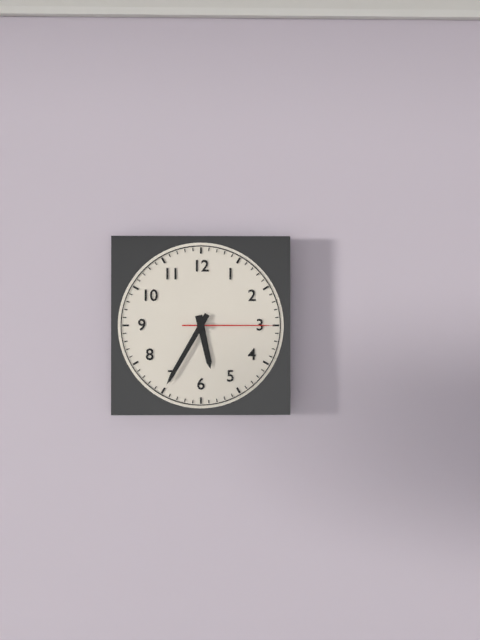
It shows 5:35:15
